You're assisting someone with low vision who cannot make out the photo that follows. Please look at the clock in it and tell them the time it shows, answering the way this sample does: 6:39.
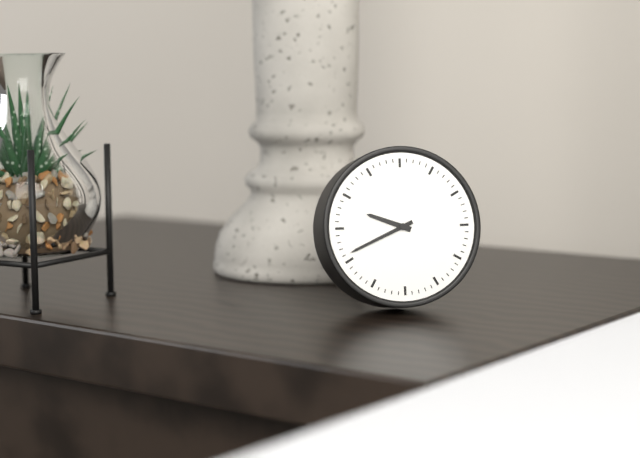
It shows 9:41
